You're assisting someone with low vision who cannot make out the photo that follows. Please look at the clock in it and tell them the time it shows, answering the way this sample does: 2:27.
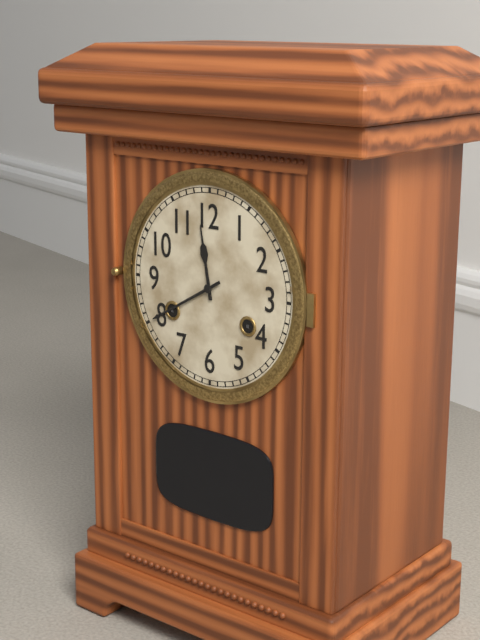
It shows 11:40
